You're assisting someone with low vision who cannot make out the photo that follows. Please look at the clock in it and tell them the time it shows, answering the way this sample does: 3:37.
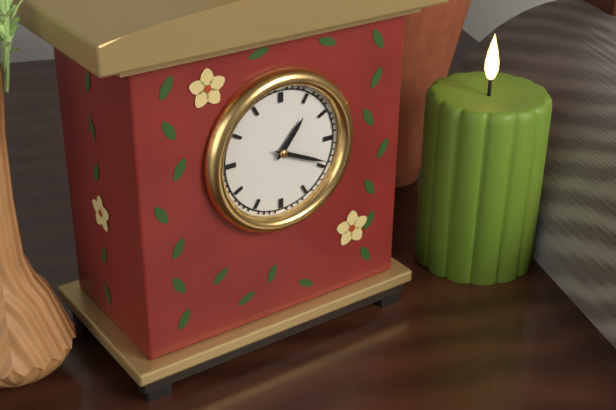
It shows 1:19
